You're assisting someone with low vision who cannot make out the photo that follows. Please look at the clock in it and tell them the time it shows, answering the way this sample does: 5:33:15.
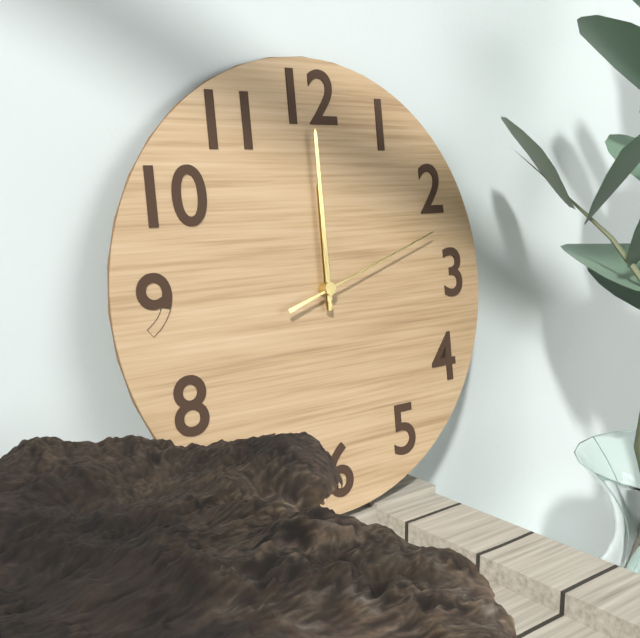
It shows 12:00:12
